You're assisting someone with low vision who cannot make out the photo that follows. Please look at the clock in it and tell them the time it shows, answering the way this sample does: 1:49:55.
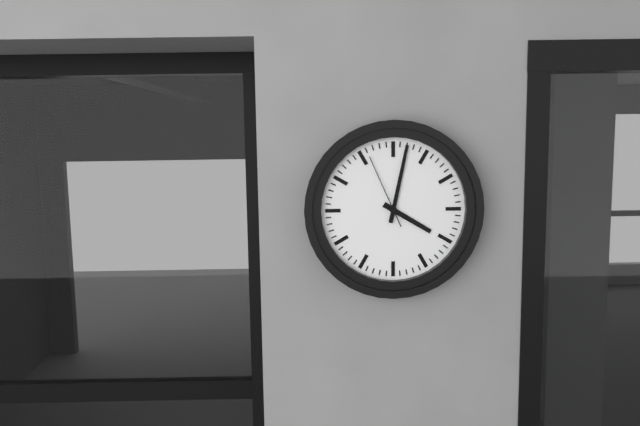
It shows 4:02:56
